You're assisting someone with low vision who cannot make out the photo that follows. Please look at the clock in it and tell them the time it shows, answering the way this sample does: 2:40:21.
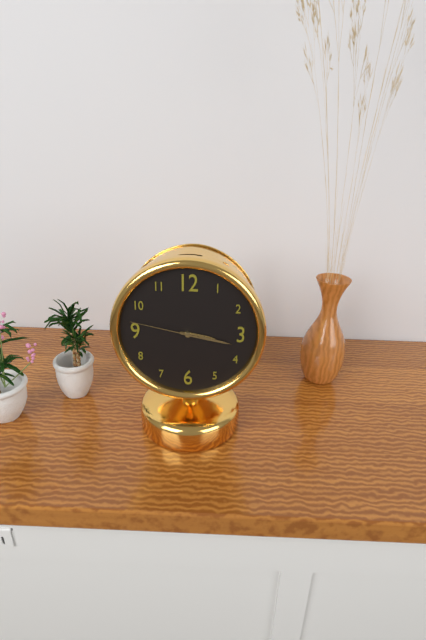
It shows 3:17:47
